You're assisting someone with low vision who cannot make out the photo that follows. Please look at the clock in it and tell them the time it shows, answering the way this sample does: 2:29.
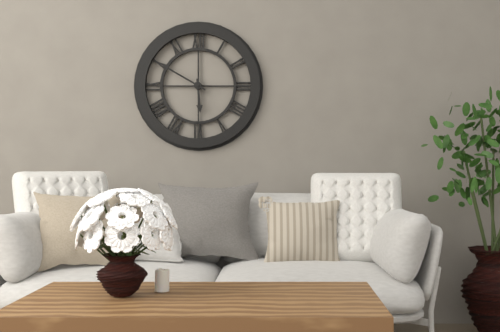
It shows 5:50
